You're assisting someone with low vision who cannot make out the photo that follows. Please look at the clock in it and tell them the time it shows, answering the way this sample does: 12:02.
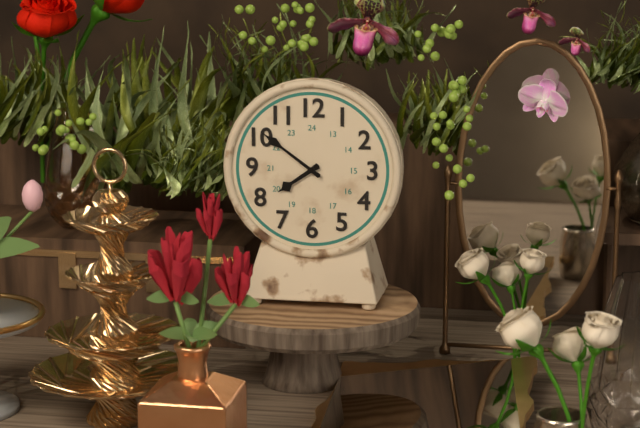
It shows 7:51
